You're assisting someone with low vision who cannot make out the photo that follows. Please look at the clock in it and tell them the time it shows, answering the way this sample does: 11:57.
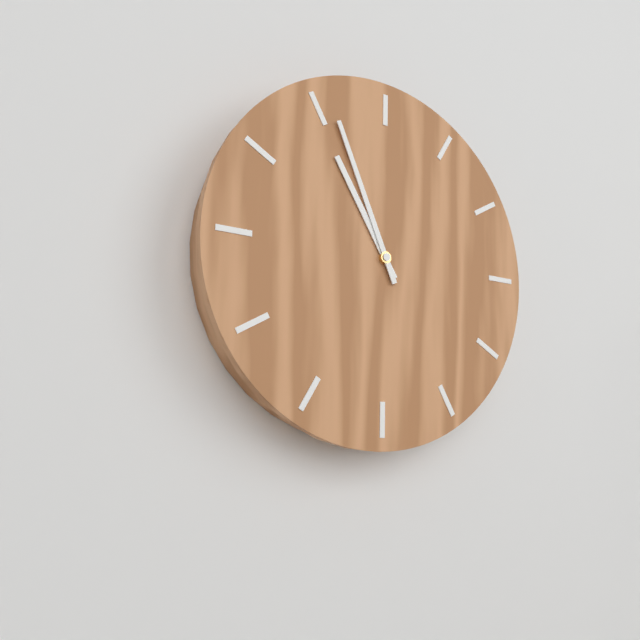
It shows 10:56
